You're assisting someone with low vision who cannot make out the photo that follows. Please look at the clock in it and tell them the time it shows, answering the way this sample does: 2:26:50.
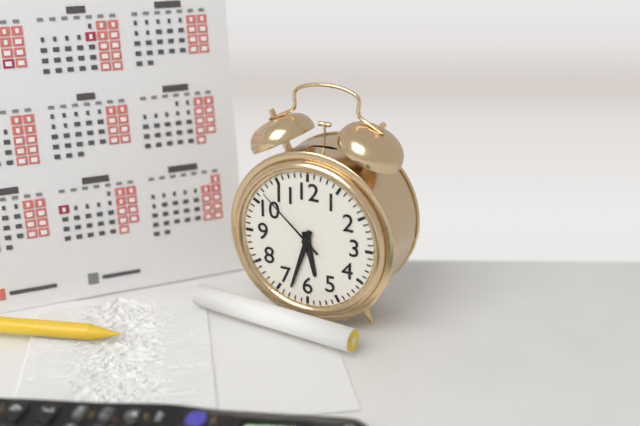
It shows 5:33:52
